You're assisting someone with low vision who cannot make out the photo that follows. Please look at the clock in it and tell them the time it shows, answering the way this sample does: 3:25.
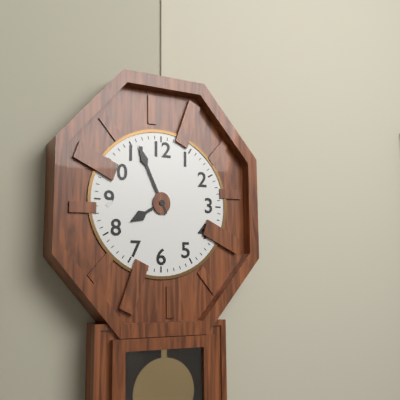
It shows 7:56
